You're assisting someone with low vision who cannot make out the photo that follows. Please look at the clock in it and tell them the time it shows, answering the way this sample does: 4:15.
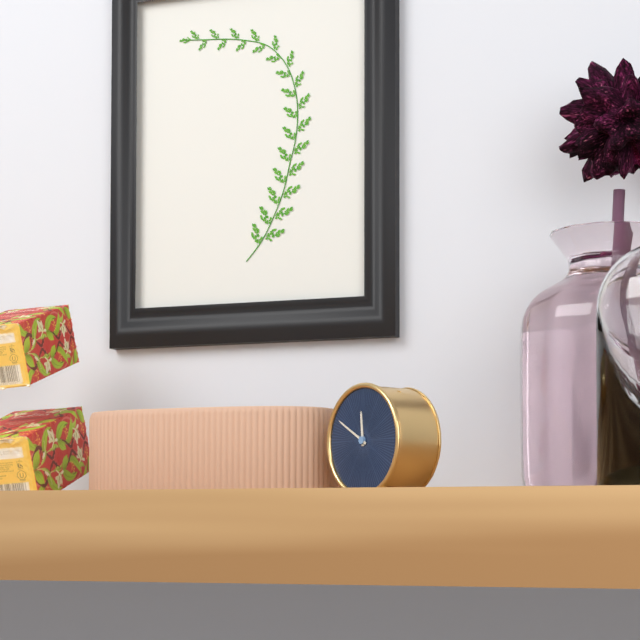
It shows 11:50
